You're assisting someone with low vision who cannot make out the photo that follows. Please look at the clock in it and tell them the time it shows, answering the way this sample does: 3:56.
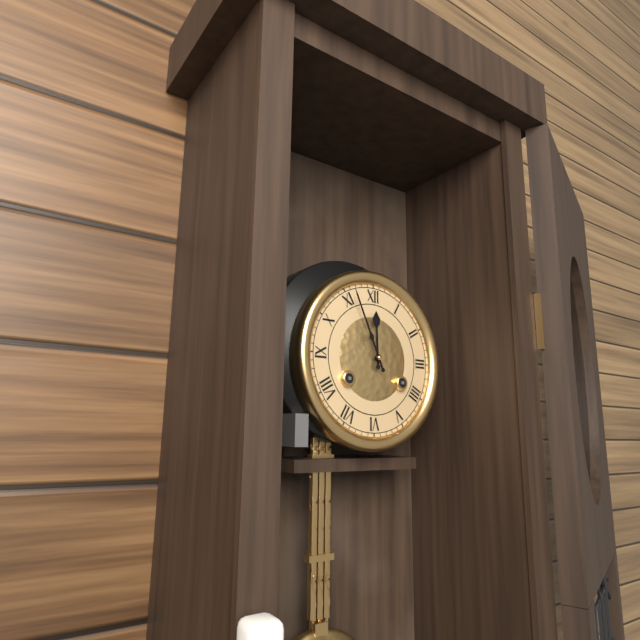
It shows 11:56
